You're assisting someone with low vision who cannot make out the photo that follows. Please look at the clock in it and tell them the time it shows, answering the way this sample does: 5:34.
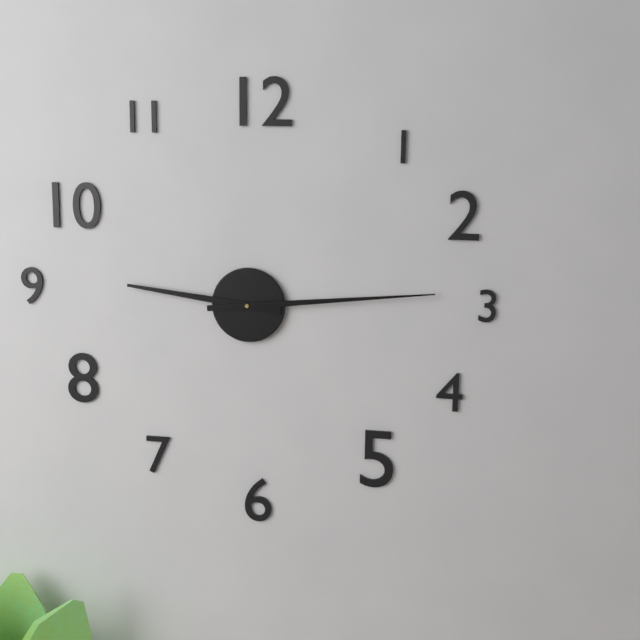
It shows 9:14
